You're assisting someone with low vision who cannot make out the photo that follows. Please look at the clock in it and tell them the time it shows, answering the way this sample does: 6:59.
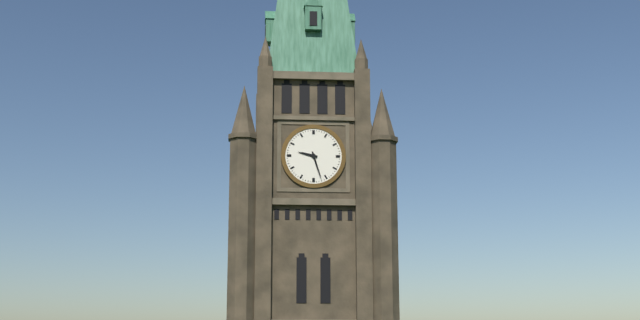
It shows 9:27
